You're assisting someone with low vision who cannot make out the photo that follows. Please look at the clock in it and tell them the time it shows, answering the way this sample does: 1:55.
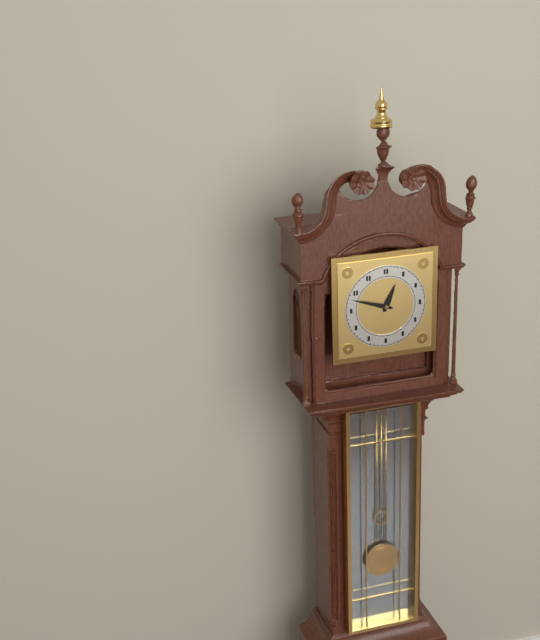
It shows 12:48
